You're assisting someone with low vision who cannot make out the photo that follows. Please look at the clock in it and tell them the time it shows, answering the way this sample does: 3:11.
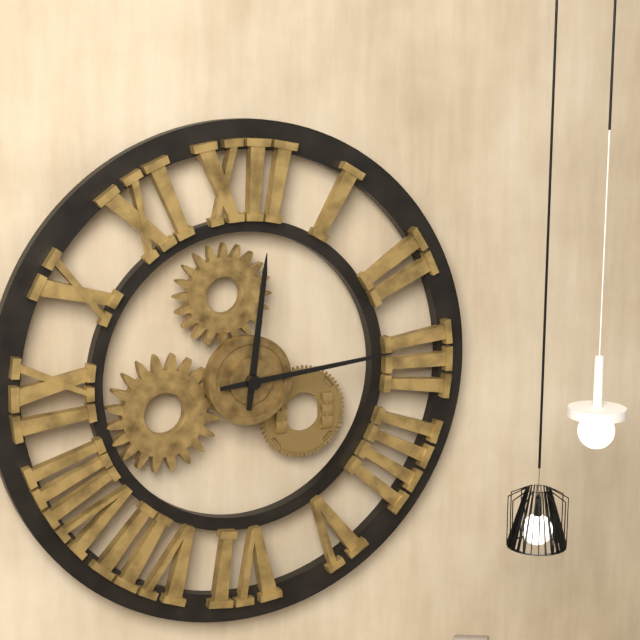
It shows 12:14
